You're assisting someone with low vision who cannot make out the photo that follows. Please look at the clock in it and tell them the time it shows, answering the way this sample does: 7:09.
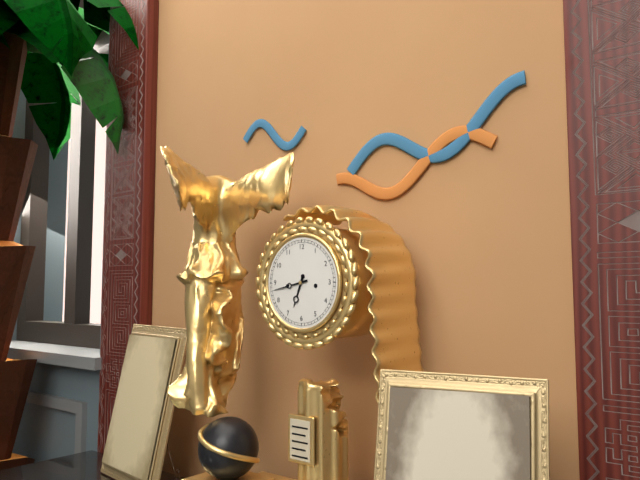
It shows 6:43
